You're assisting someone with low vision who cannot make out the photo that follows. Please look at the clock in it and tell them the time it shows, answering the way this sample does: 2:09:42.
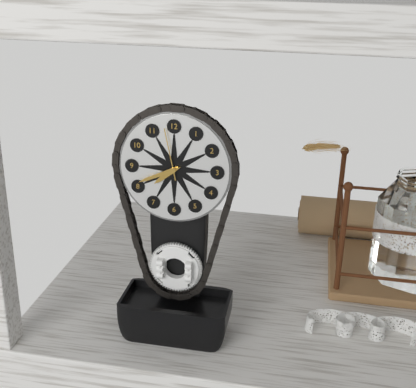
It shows 7:41:58
